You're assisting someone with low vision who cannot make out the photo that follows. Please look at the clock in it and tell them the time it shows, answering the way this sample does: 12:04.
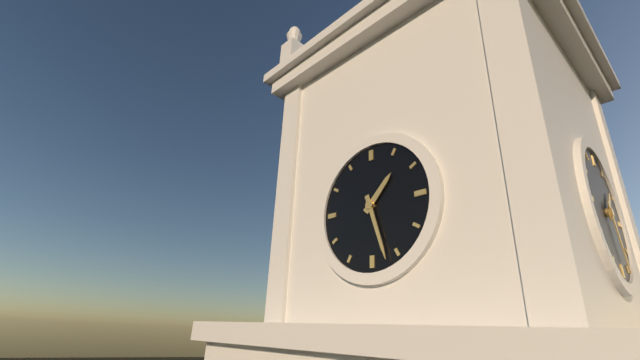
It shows 1:27
